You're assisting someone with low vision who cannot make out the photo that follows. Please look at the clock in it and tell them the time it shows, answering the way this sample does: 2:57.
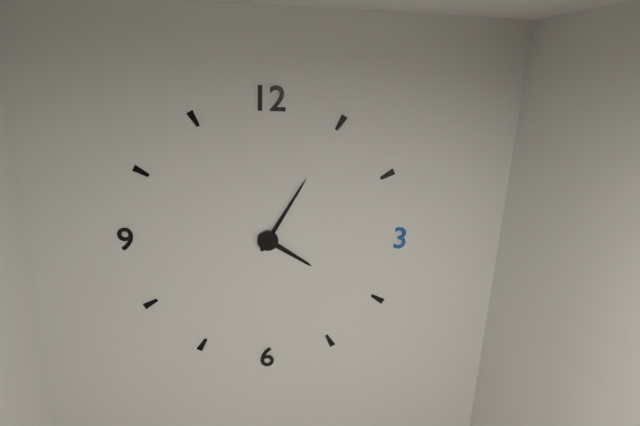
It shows 4:05
